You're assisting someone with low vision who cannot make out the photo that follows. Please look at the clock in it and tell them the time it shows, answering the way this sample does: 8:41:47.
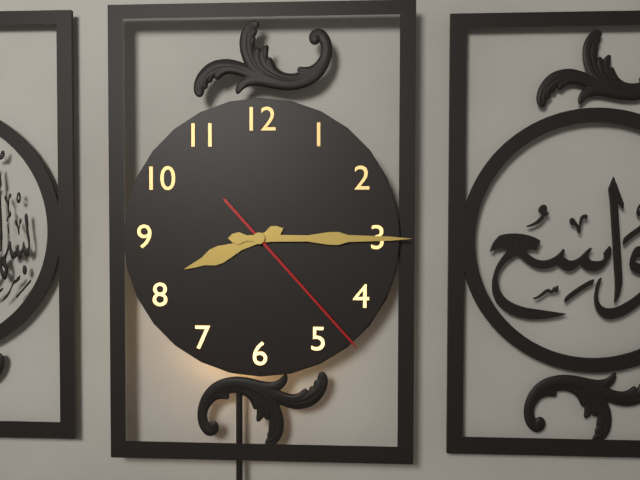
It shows 8:15:23
